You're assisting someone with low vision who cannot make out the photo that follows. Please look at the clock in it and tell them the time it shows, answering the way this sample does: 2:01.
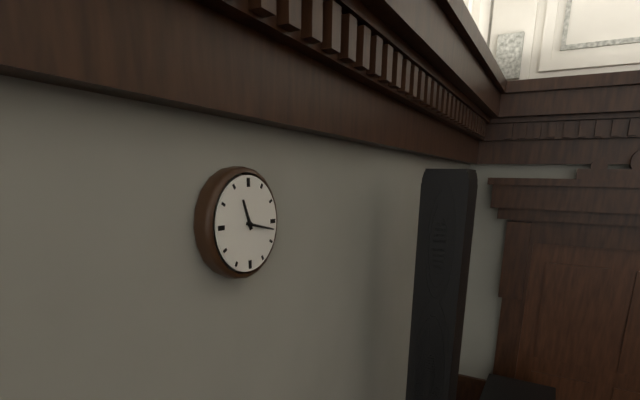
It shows 11:17
